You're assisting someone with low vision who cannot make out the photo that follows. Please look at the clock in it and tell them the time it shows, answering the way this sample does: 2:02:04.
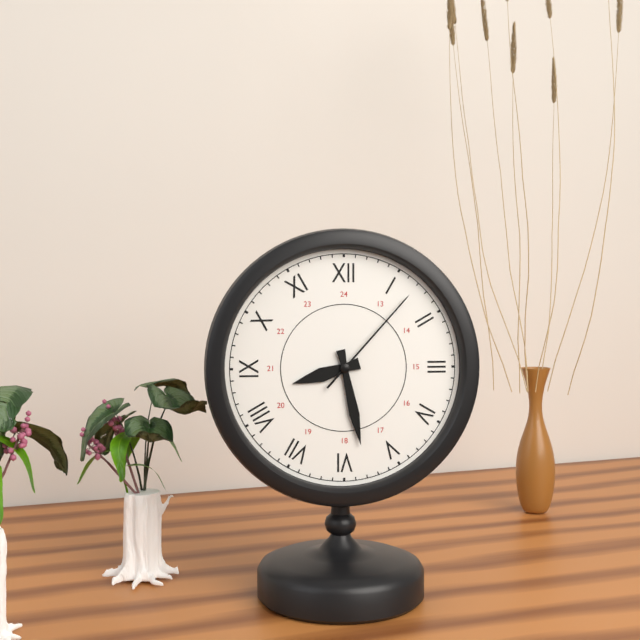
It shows 8:28:07
